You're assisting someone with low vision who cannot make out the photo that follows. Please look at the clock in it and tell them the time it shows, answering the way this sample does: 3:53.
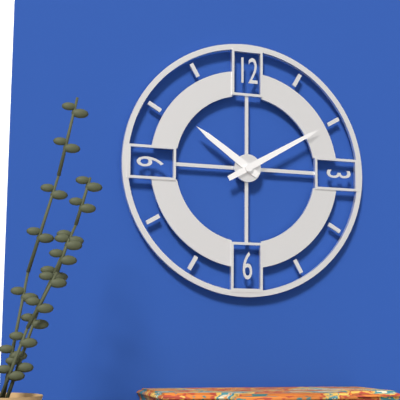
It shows 10:10
